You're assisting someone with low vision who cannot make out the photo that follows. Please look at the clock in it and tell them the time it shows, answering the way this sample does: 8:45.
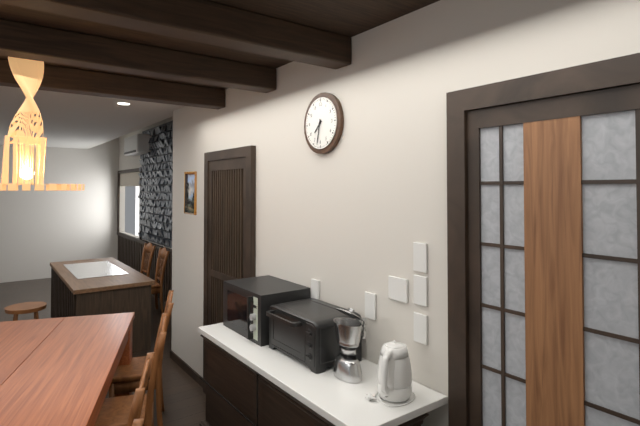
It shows 7:32
